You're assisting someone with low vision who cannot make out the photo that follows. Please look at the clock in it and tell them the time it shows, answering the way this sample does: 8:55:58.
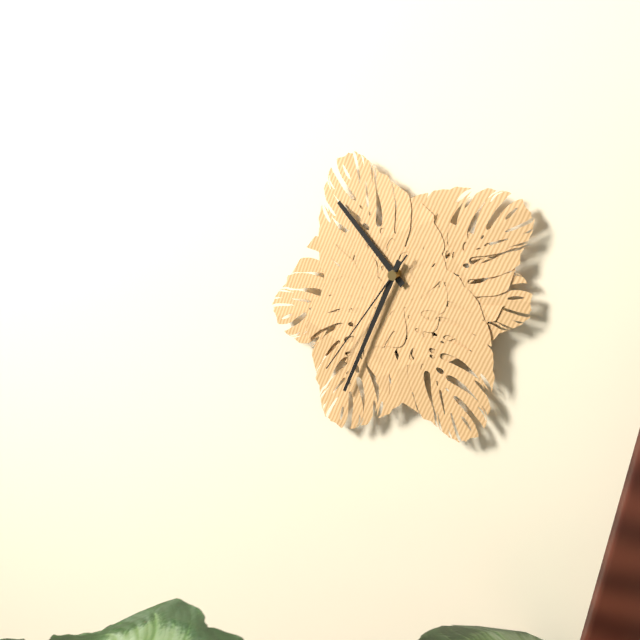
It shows 10:34:36
